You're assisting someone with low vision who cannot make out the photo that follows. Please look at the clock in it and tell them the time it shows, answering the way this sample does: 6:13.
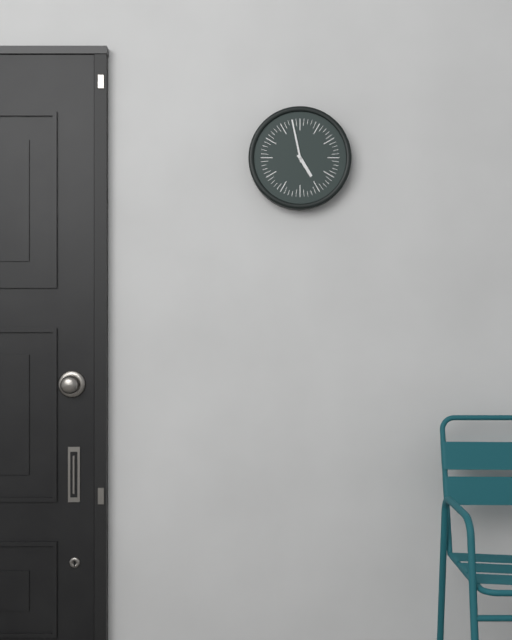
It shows 4:58
